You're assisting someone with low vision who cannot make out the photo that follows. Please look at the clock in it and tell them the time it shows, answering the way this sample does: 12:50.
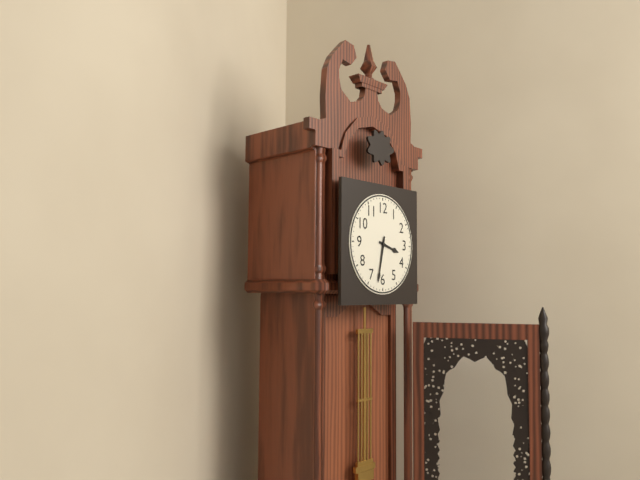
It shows 3:32
